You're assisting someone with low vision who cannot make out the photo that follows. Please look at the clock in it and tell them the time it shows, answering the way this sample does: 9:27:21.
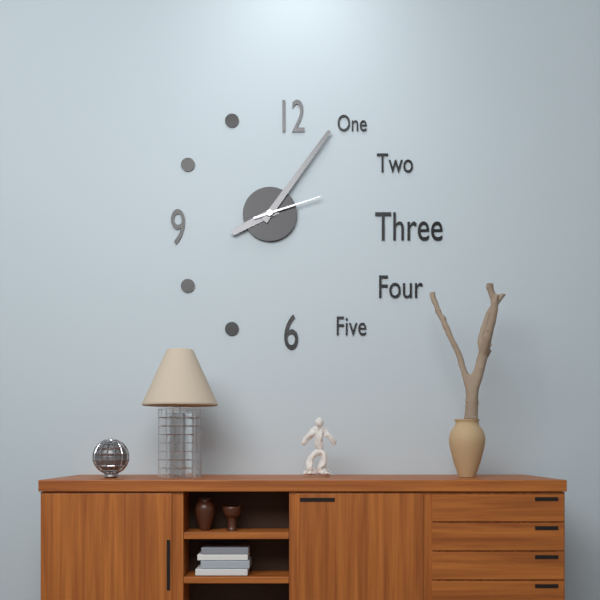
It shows 8:06:12
